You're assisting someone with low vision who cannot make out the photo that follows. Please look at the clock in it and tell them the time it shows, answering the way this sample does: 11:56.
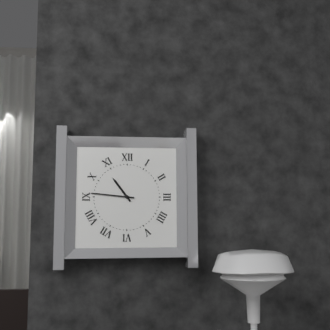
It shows 10:46
